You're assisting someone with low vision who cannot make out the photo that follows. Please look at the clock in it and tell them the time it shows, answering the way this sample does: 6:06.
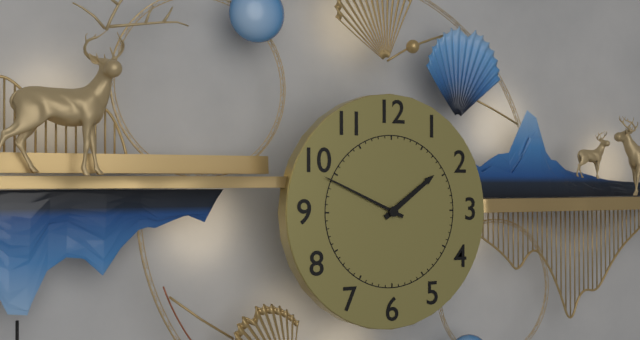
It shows 1:49
